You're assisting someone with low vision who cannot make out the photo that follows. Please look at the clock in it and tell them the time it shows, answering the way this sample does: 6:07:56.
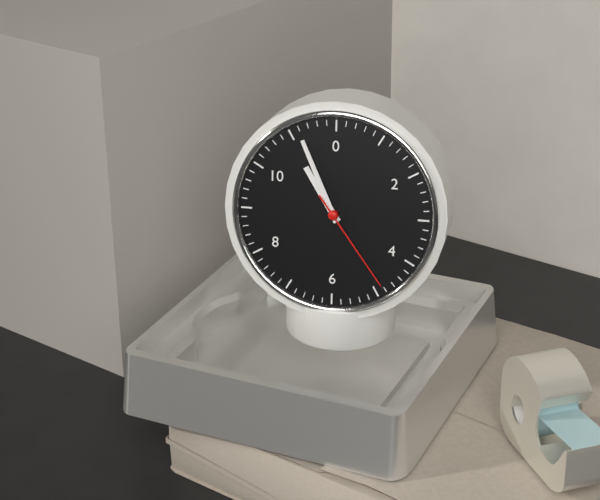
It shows 10:56:24
